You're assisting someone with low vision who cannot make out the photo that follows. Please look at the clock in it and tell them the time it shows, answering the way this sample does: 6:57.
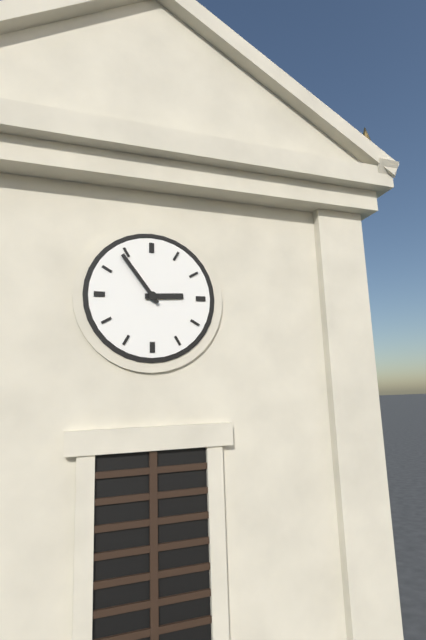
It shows 2:54
